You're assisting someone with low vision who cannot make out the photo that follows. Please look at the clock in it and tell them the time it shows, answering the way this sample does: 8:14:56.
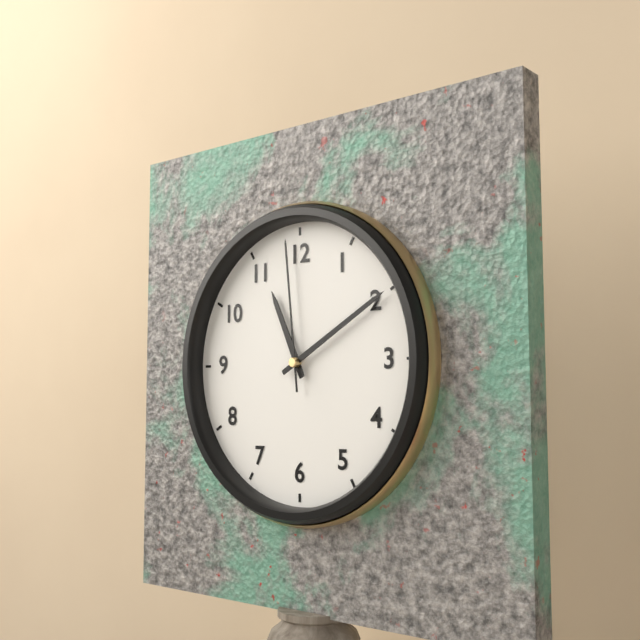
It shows 11:10:59
